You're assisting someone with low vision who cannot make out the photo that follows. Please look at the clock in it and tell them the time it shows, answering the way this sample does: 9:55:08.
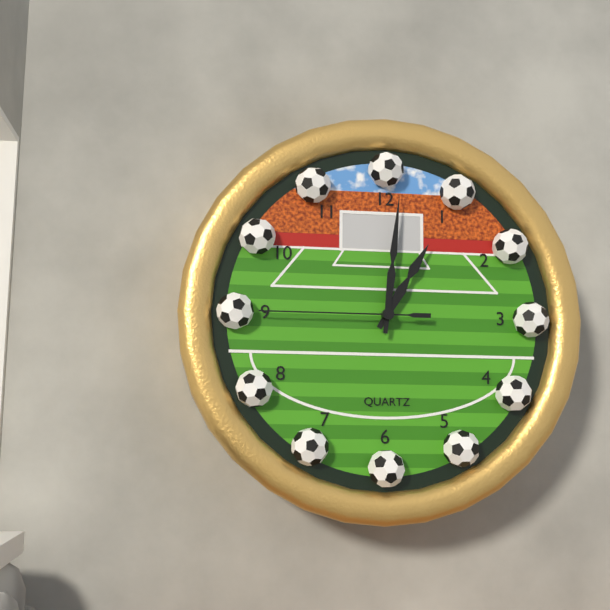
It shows 1:01:45
